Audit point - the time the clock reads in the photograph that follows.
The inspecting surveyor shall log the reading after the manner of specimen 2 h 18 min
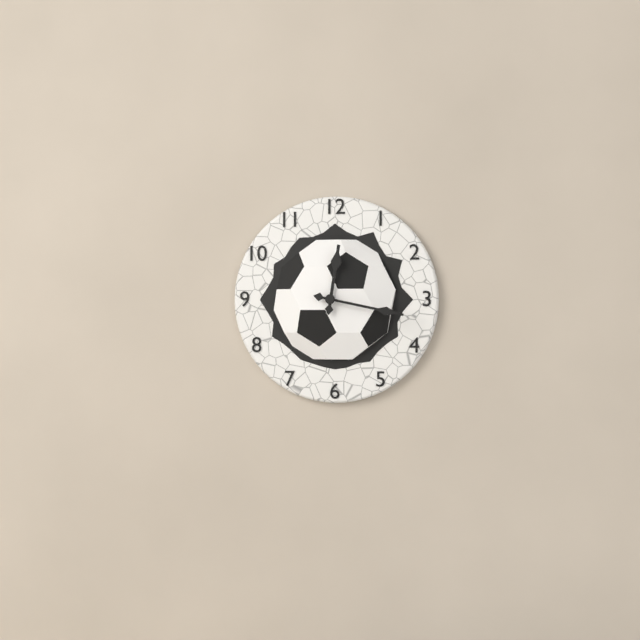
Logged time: 12 h 17 min
